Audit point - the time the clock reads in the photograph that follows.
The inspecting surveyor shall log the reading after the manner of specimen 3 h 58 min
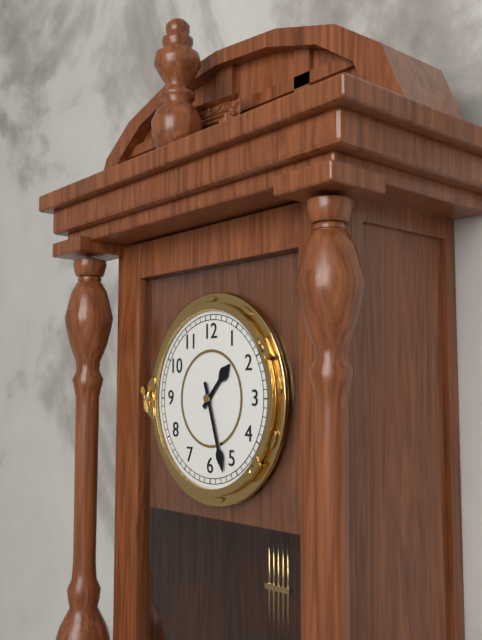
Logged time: 1 h 27 min
